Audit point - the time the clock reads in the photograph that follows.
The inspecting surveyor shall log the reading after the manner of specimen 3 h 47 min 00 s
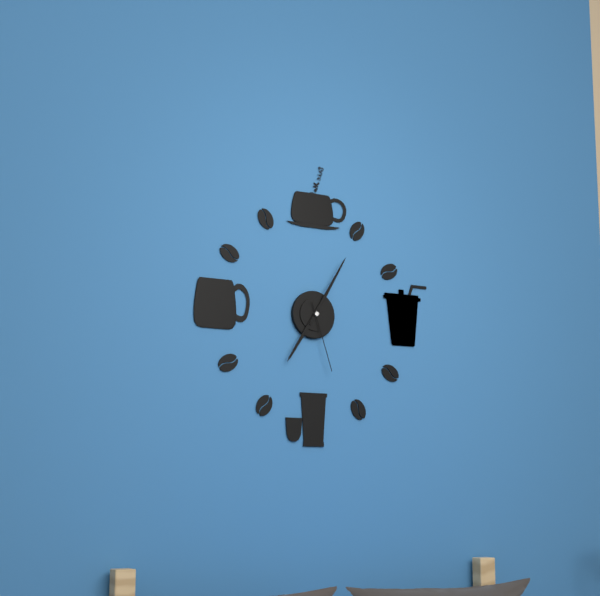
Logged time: 7 h 05 min 27 s
